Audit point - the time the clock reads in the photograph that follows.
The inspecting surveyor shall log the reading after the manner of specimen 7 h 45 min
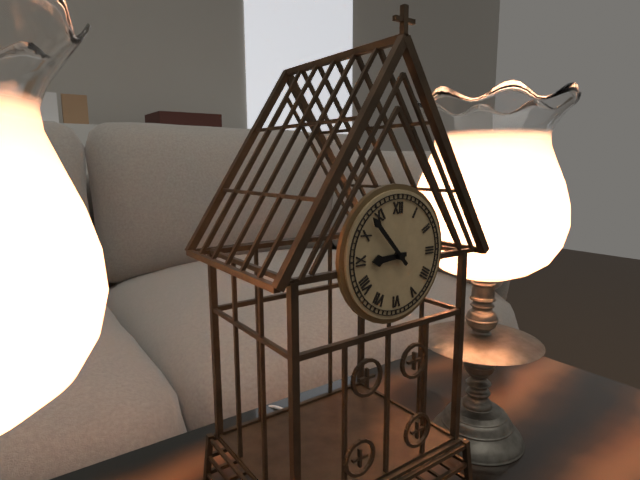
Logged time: 8 h 53 min
